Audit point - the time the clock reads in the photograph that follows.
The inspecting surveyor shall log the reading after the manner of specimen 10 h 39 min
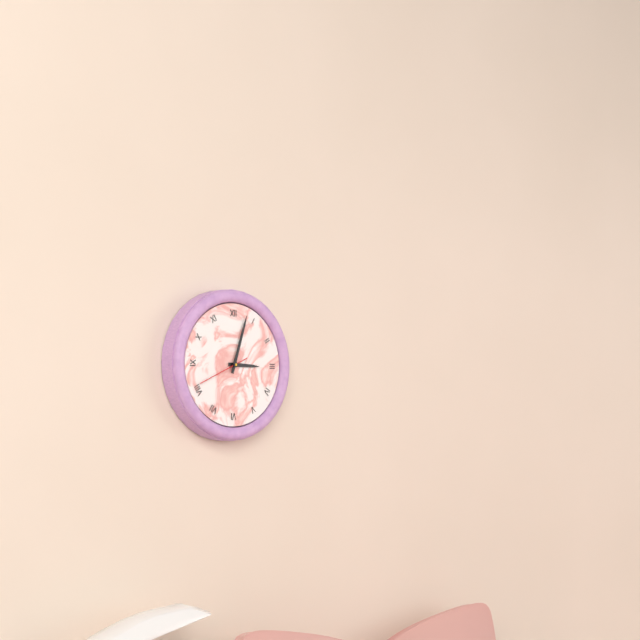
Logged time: 3 h 03 min
